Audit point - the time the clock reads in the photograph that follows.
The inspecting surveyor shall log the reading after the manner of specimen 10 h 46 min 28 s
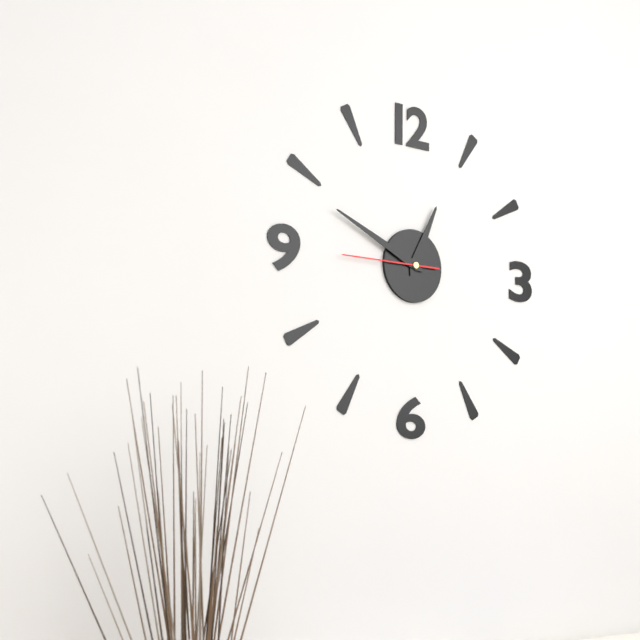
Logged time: 12 h 49 min 45 s
